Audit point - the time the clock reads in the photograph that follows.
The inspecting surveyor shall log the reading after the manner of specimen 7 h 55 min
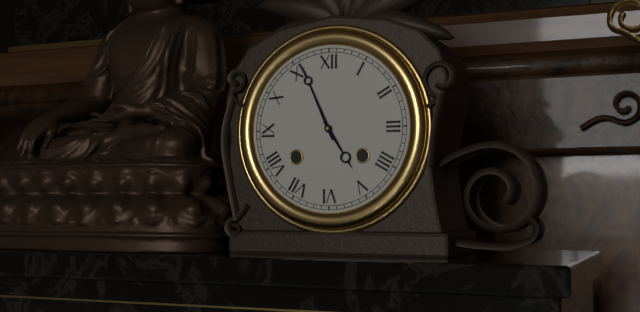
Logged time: 4 h 56 min
